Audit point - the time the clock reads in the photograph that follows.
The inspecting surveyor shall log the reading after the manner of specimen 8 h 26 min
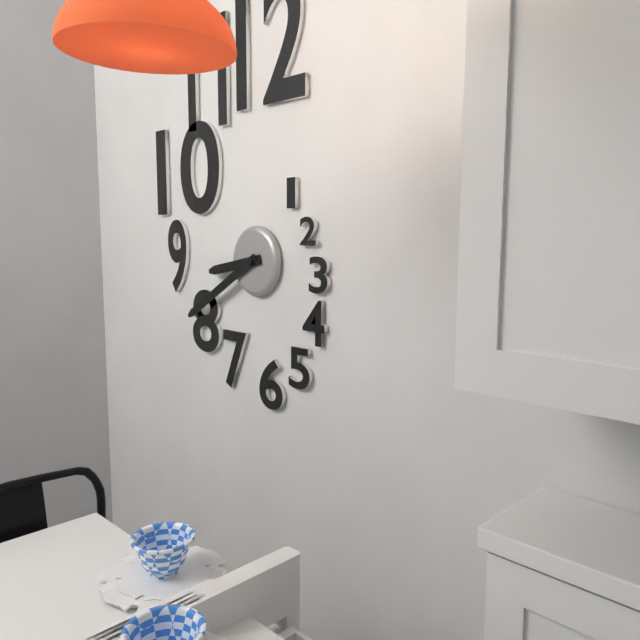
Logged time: 8 h 40 min
